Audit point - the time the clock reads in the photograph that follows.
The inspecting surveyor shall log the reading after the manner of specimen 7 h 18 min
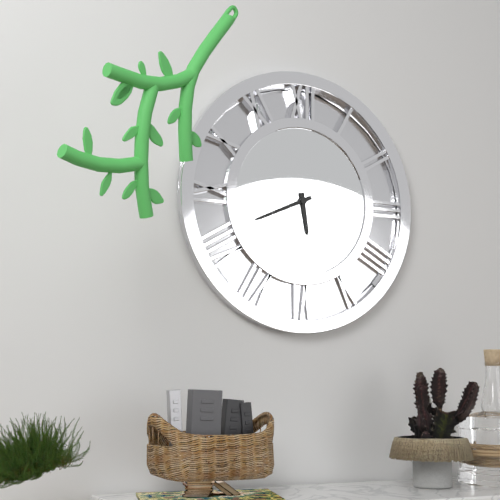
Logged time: 5 h 41 min
